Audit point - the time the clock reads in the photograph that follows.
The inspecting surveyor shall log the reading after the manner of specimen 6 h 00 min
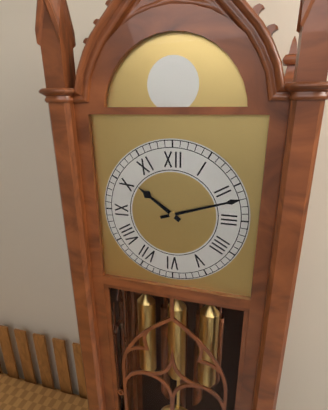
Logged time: 10 h 12 min
